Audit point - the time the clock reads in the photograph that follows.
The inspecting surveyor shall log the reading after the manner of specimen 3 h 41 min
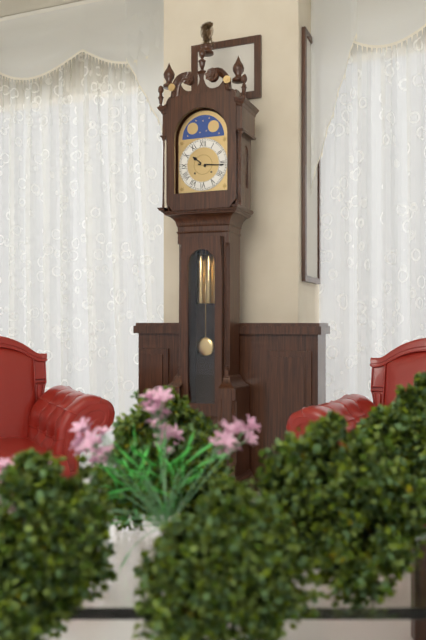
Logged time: 10 h 16 min
